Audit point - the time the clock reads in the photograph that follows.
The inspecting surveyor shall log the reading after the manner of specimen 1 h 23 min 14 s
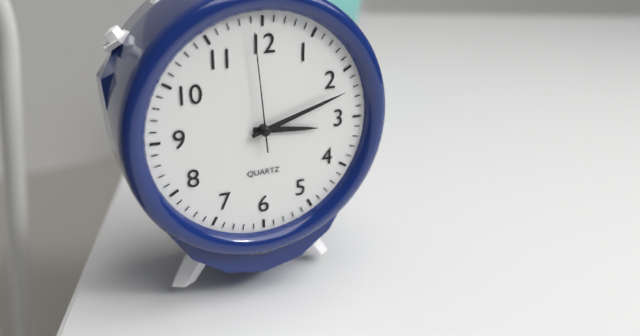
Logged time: 3 h 12 min 59 s
